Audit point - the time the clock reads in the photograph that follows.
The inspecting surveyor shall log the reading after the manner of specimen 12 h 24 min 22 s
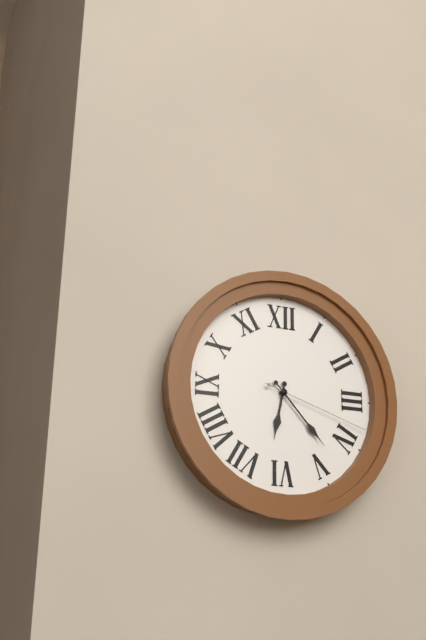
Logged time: 6 h 23 min 18 s
